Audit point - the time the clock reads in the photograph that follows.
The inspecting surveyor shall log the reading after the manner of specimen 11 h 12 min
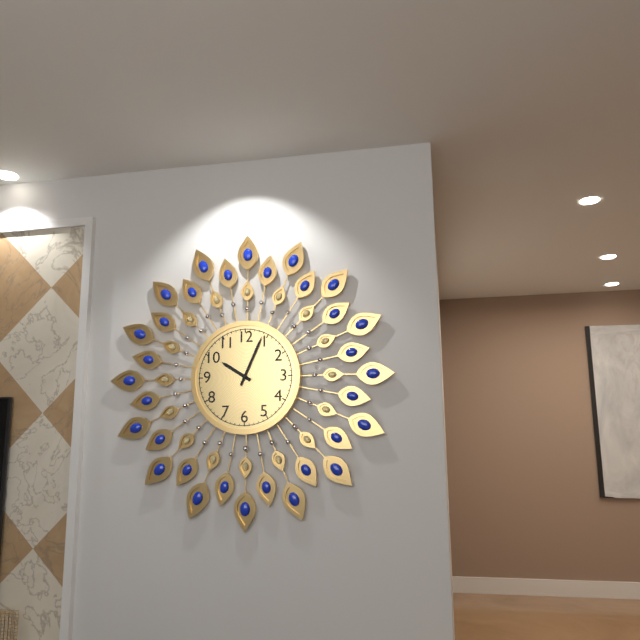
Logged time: 10 h 04 min
